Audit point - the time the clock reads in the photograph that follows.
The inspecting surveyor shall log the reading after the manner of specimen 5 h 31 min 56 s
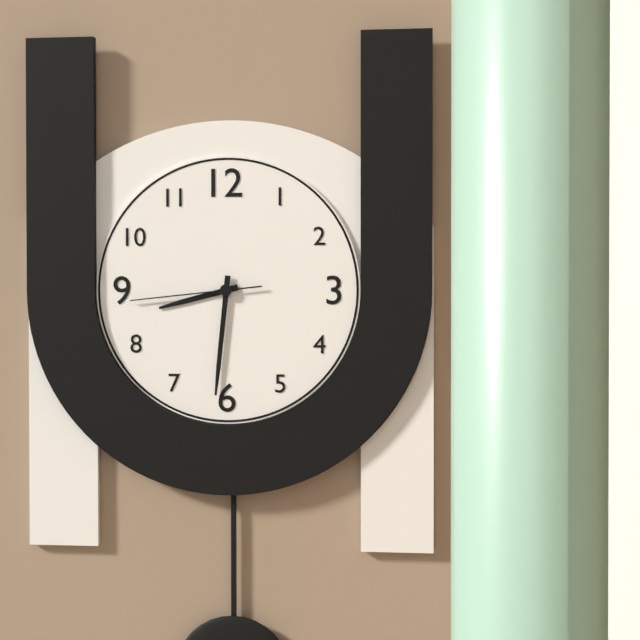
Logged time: 8 h 31 min 44 s
